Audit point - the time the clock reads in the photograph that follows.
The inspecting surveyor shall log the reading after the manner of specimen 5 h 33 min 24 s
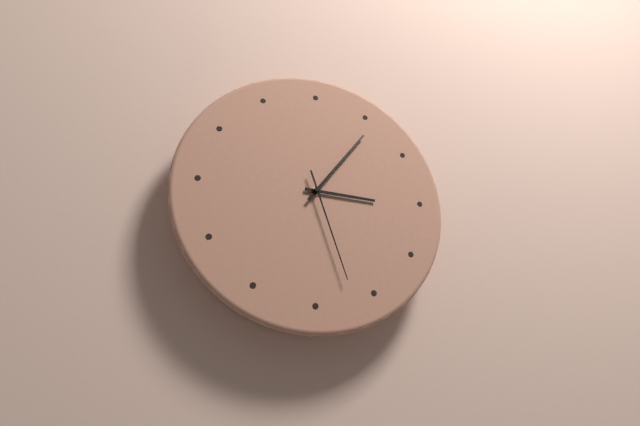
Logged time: 3 h 06 min 27 s
